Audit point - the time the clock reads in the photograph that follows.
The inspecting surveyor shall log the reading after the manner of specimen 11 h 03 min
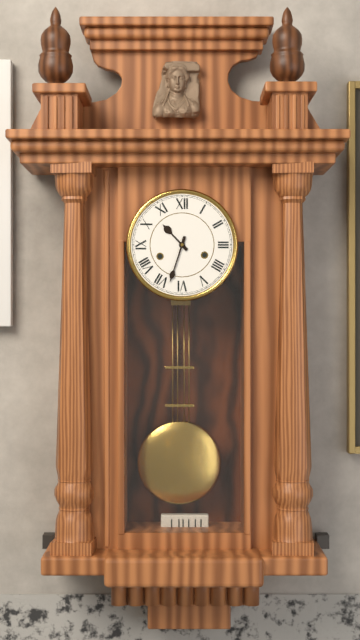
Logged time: 10 h 33 min
